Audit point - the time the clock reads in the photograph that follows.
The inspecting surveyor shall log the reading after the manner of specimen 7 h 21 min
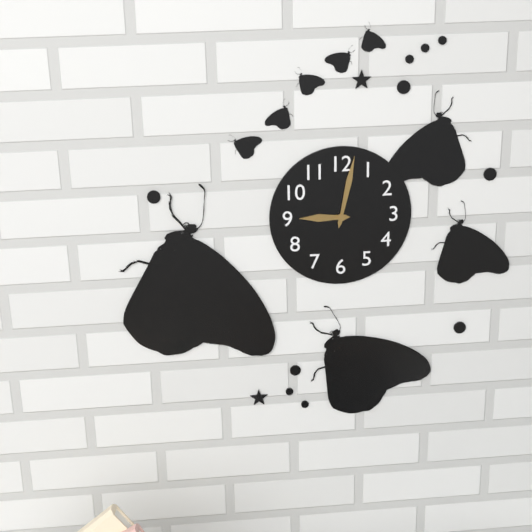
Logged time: 9 h 02 min
